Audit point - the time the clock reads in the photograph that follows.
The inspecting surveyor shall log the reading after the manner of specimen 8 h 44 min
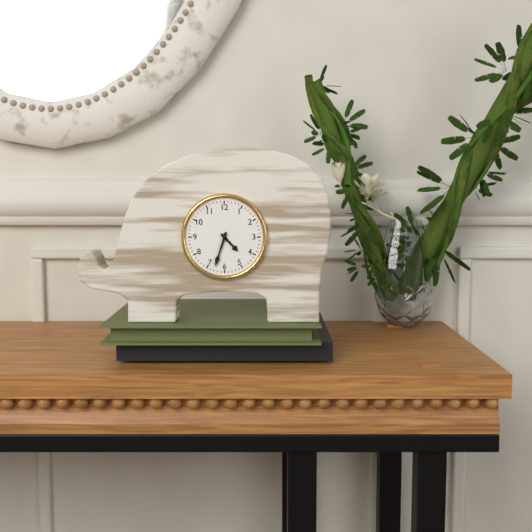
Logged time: 4 h 33 min
